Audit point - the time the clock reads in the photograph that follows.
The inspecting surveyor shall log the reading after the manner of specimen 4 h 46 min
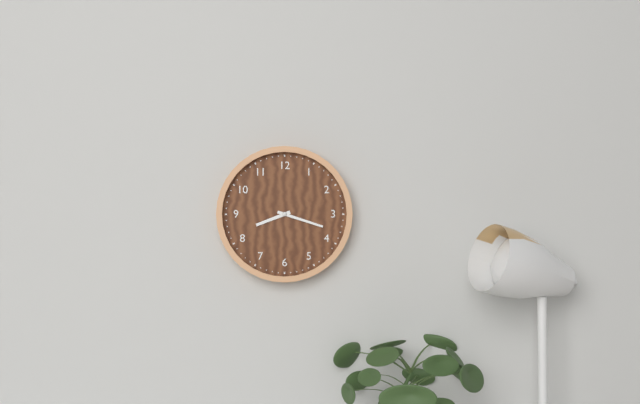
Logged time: 8 h 18 min
